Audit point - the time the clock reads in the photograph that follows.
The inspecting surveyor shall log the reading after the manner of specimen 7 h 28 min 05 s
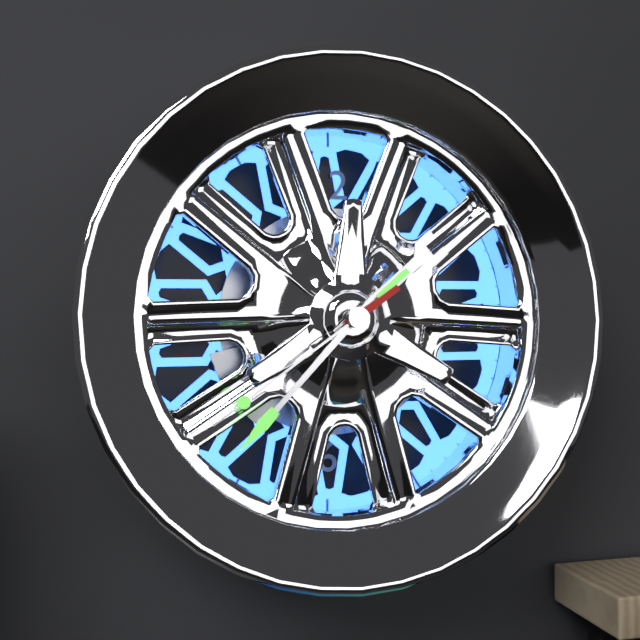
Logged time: 1 h 37 min 39 s
